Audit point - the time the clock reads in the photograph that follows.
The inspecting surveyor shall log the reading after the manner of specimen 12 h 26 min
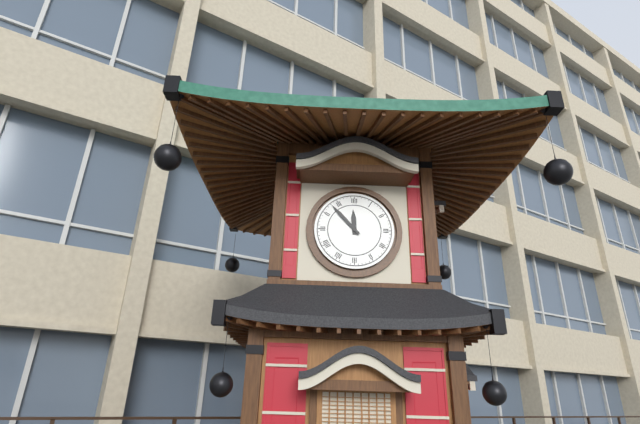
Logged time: 11 h 53 min
